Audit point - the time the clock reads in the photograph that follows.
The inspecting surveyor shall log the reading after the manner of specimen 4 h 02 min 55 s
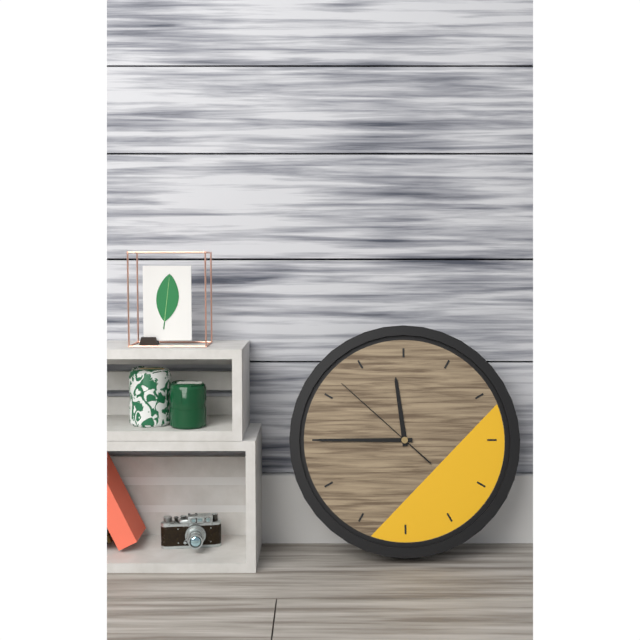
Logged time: 11 h 45 min 52 s
